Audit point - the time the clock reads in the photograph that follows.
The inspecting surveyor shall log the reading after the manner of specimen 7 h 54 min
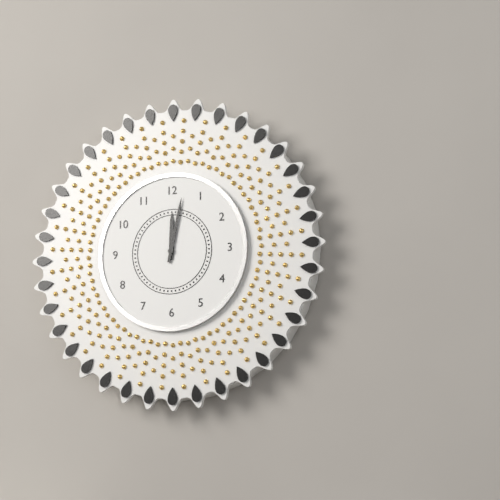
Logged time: 12 h 02 min
